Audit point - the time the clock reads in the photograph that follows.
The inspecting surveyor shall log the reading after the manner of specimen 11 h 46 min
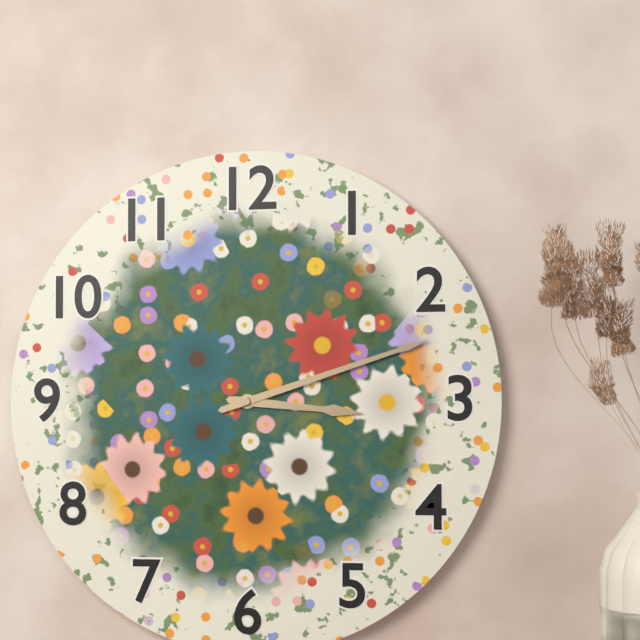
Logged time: 3 h 12 min
